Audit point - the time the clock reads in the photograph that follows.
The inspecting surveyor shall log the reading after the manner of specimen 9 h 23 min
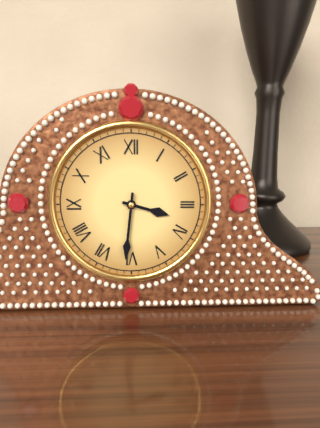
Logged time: 3 h 31 min
